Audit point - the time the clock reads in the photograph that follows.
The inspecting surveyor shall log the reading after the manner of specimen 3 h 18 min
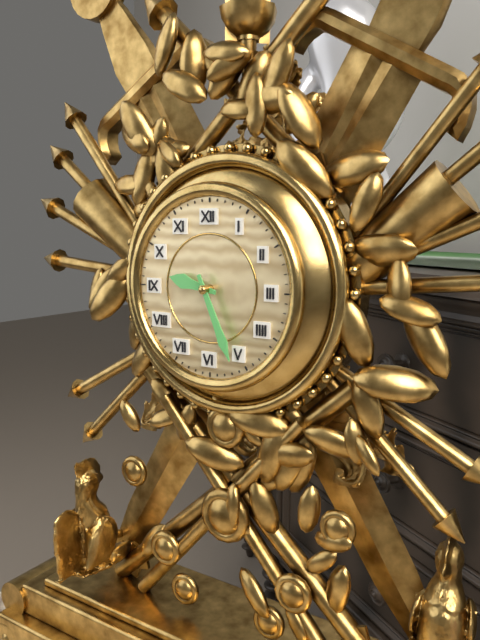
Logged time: 9 h 26 min
